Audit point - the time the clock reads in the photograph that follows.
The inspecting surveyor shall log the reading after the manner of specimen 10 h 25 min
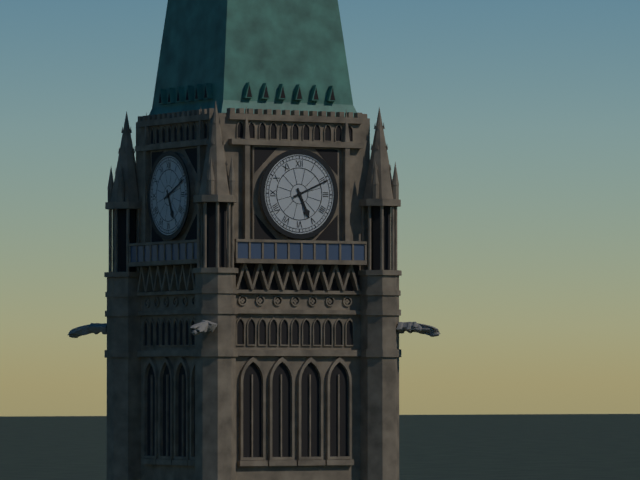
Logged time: 5 h 11 min
